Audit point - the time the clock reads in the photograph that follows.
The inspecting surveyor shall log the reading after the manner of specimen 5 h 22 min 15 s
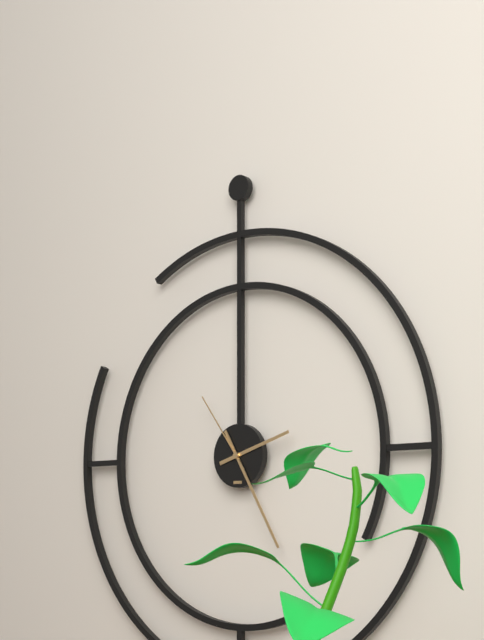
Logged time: 2 h 25 min 54 s
